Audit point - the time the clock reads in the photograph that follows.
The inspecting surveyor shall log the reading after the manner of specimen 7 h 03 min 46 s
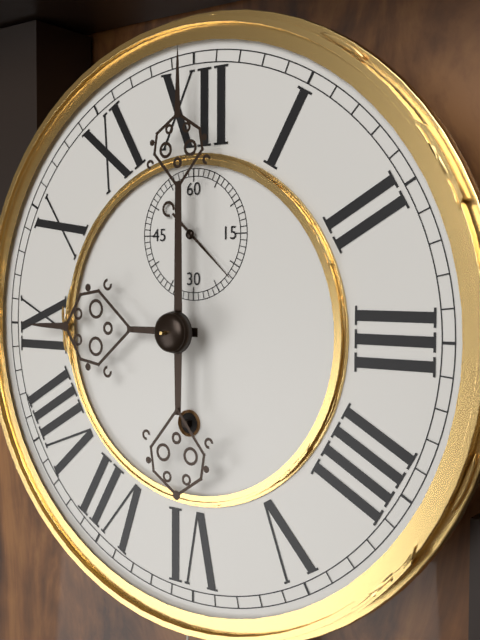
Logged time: 9 h 00 min 22 s
